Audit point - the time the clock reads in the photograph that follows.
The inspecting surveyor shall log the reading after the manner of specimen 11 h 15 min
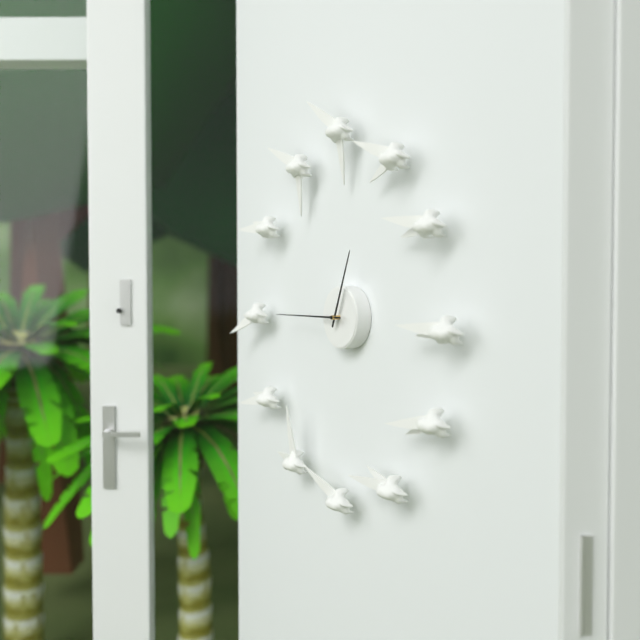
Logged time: 12 h 45 min
